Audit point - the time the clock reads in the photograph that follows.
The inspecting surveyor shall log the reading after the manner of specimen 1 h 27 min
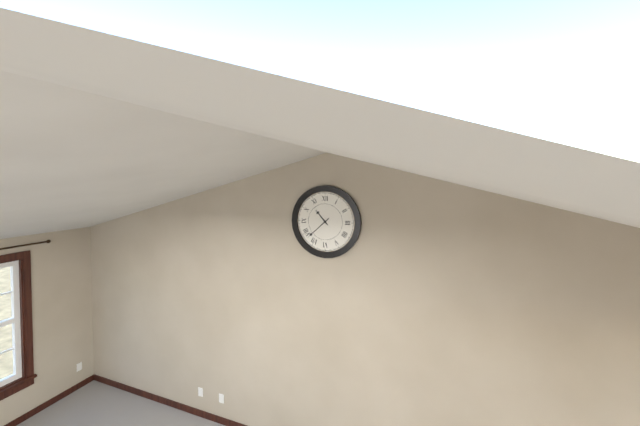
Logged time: 10 h 38 min
